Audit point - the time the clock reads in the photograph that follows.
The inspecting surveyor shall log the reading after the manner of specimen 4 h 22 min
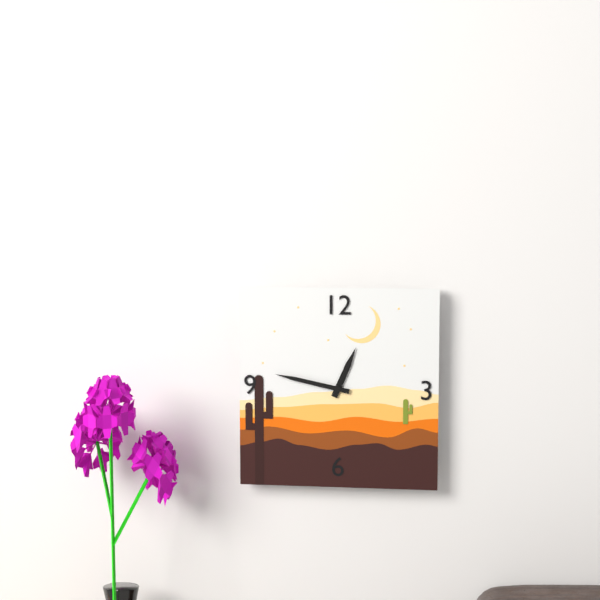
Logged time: 12 h 47 min
